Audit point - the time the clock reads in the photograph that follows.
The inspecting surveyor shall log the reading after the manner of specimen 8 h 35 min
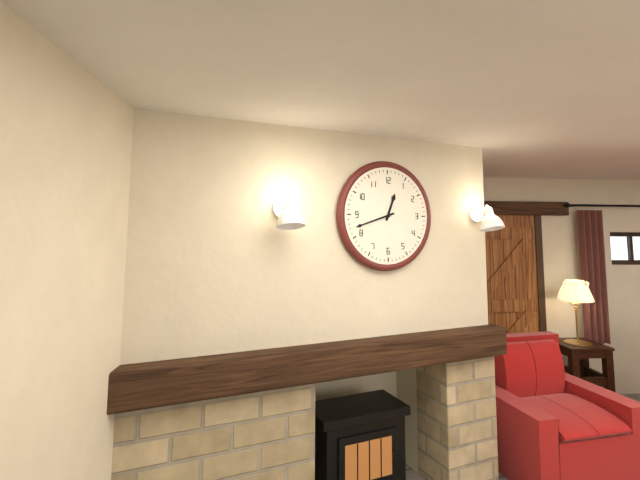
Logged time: 12 h 42 min
